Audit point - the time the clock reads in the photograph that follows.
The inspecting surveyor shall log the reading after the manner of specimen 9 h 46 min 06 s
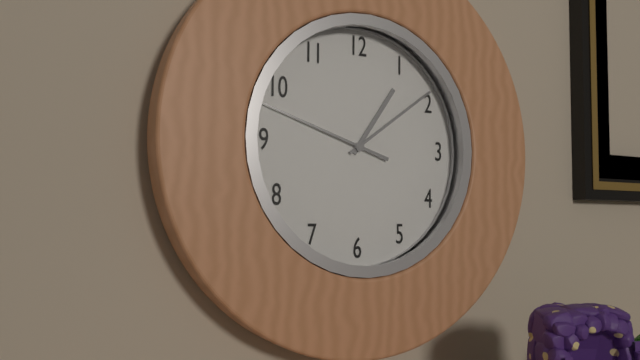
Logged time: 1 h 09 min 48 s
